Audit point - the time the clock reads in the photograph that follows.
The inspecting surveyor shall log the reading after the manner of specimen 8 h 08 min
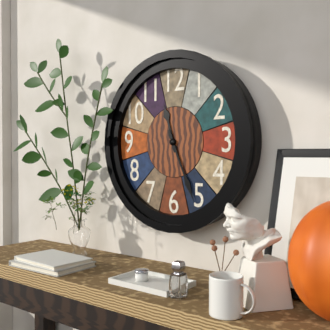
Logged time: 11 h 26 min
